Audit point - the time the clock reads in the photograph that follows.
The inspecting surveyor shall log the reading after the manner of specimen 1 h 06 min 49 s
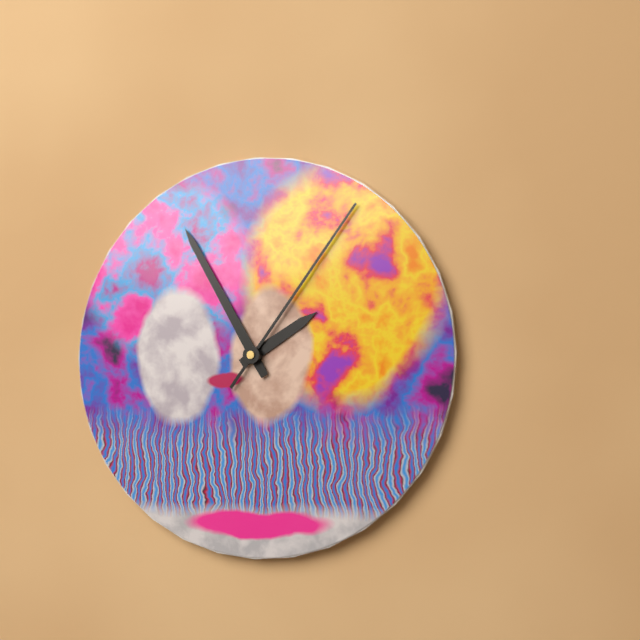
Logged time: 1 h 55 min 06 s
